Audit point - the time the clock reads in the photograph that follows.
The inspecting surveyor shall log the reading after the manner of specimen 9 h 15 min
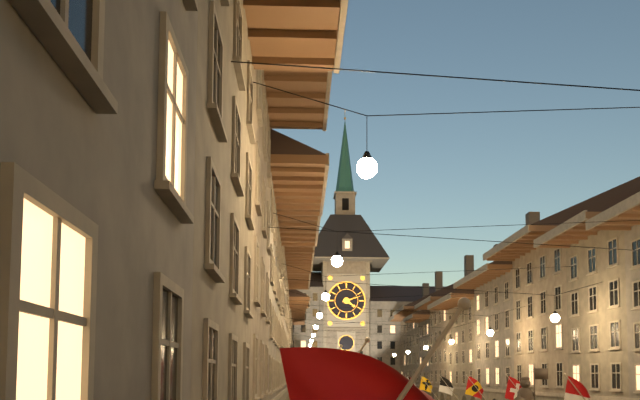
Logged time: 4 h 12 min
